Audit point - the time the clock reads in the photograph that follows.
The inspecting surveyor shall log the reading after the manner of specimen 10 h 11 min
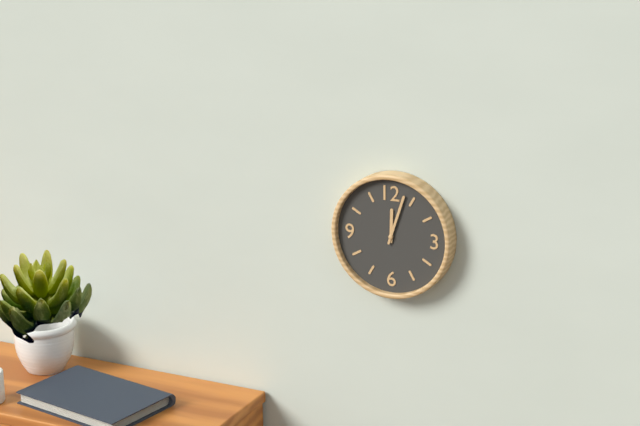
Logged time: 12 h 03 min
